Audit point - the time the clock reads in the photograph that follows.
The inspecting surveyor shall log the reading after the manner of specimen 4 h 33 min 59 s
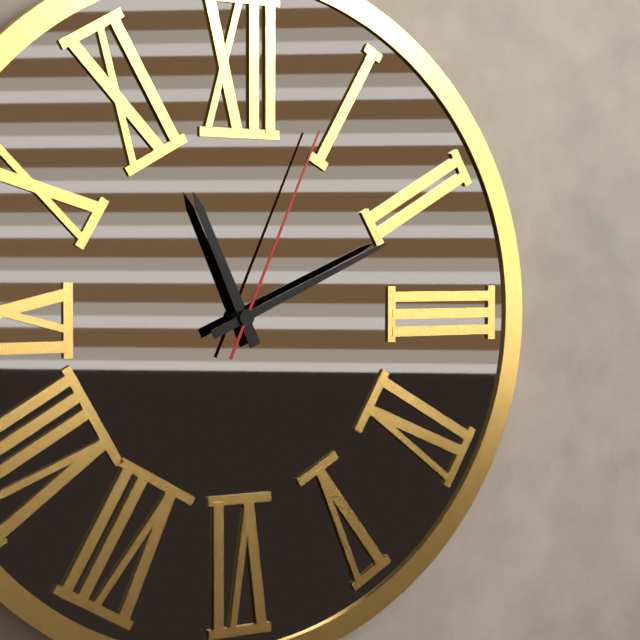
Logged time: 11 h 11 min 04 s
